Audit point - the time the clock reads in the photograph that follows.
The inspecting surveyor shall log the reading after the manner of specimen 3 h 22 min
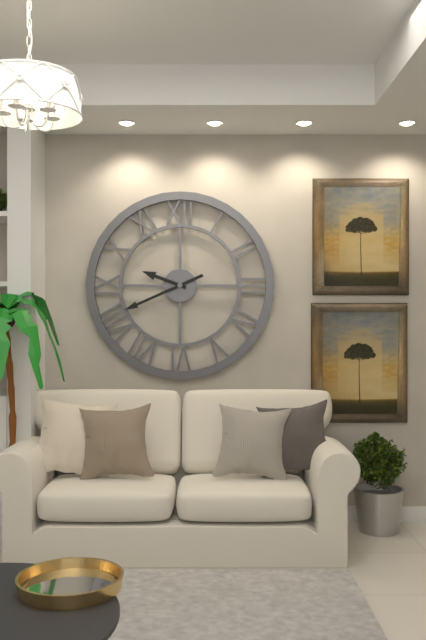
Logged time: 9 h 41 min
